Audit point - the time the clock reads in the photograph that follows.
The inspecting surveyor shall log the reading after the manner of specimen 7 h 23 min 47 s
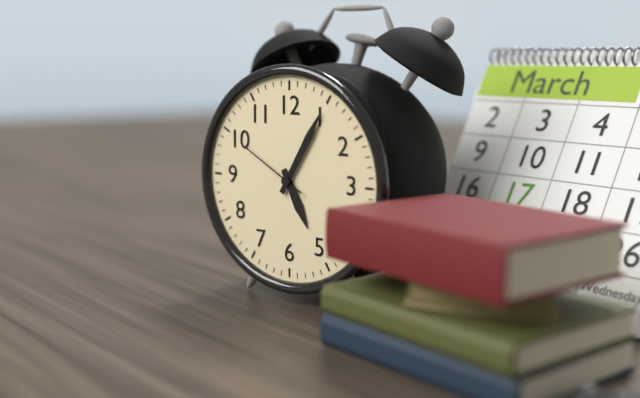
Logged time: 5 h 05 min 50 s
